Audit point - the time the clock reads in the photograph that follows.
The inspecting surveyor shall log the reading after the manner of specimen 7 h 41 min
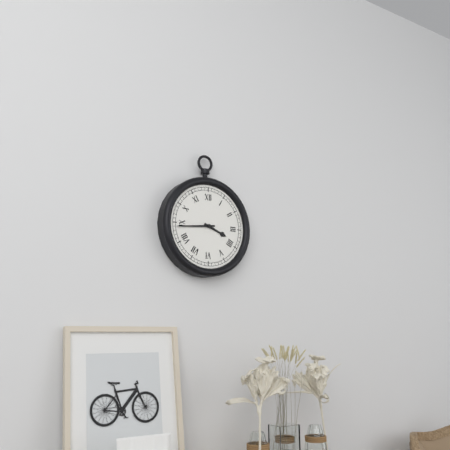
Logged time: 3 h 44 min
